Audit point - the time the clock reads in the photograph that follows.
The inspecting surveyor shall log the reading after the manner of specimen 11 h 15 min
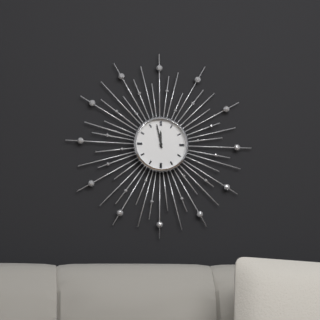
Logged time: 11 h 58 min
